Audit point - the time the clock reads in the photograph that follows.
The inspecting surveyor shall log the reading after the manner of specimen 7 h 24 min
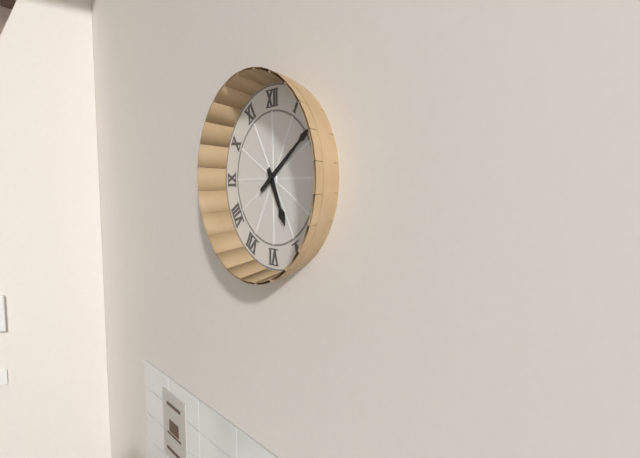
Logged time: 5 h 09 min
